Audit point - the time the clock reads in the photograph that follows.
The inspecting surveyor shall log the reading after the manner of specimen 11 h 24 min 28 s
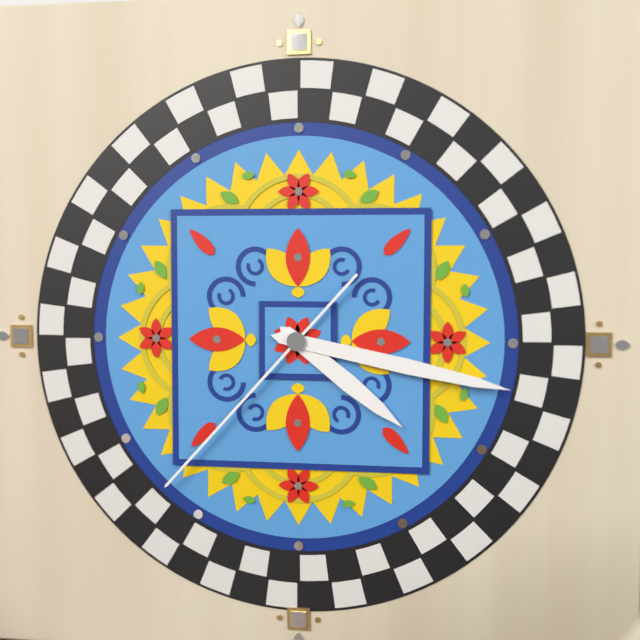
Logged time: 4 h 17 min 37 s
